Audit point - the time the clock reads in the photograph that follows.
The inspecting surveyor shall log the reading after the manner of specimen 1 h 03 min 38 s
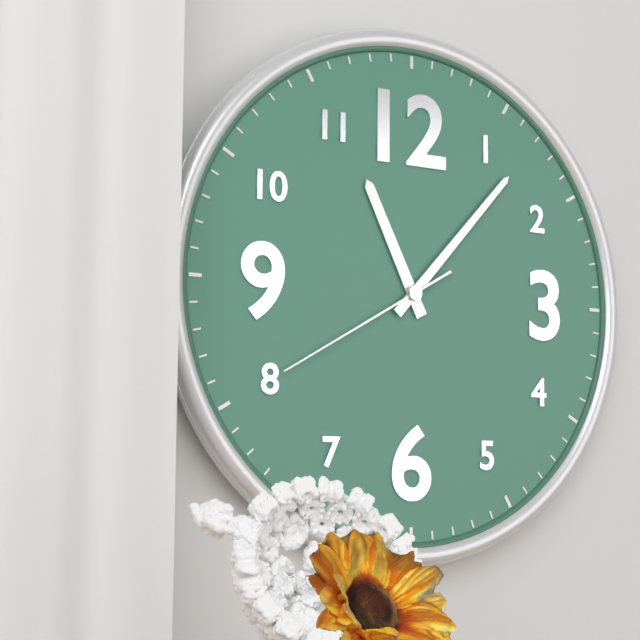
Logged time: 11 h 07 min 40 s
